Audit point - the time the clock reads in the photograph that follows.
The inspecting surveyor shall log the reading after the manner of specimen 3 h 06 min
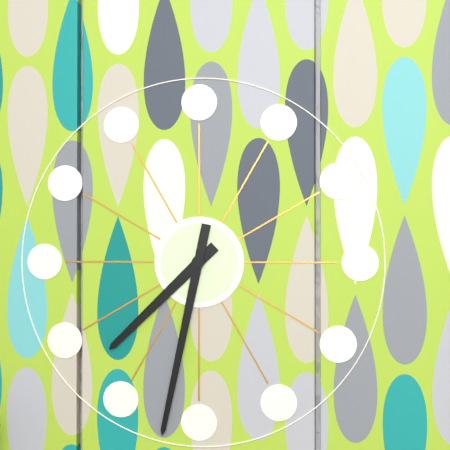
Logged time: 7 h 32 min
